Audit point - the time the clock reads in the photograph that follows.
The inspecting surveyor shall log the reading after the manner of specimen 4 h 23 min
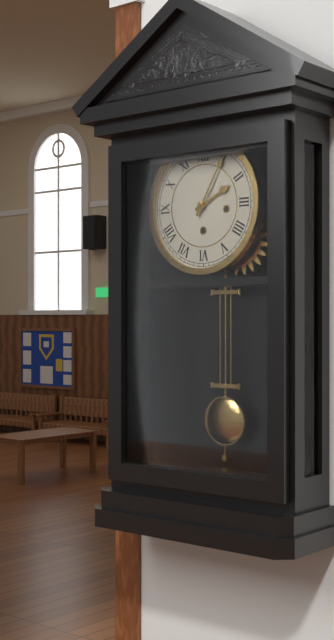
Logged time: 2 h 05 min
